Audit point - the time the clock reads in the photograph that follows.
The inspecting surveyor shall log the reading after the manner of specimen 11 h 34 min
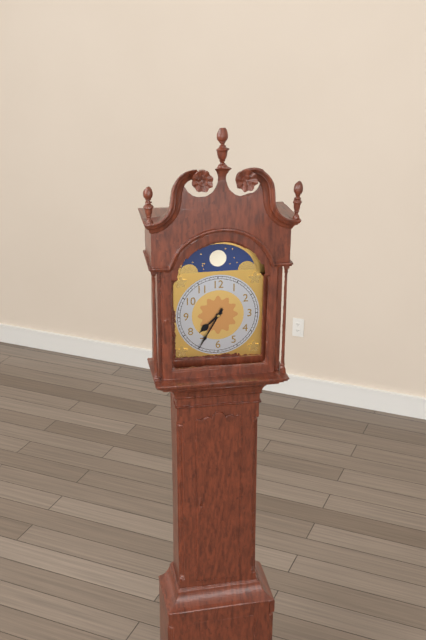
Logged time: 7 h 35 min
